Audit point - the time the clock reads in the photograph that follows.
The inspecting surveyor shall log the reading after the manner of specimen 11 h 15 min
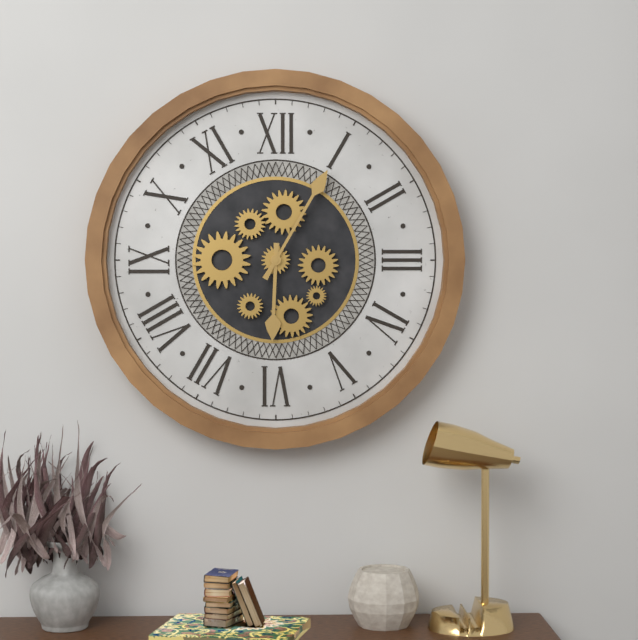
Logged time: 6 h 05 min
